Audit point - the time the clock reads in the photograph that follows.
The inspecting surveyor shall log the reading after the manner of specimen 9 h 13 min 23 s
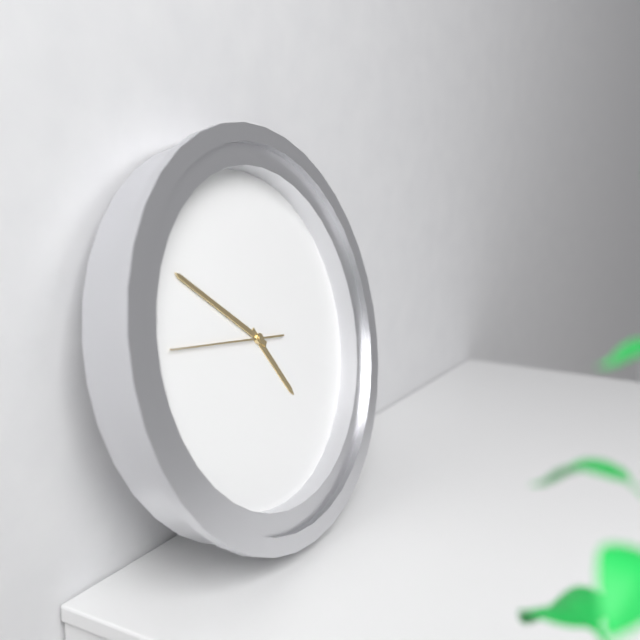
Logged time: 4 h 51 min 46 s
